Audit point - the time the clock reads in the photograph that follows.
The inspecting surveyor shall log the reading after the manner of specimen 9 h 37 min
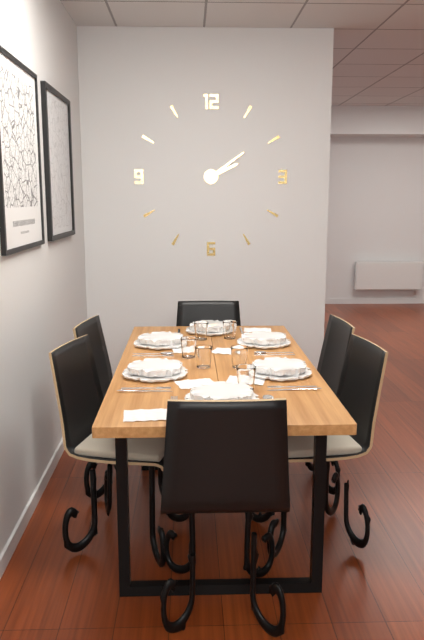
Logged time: 2 h 09 min
